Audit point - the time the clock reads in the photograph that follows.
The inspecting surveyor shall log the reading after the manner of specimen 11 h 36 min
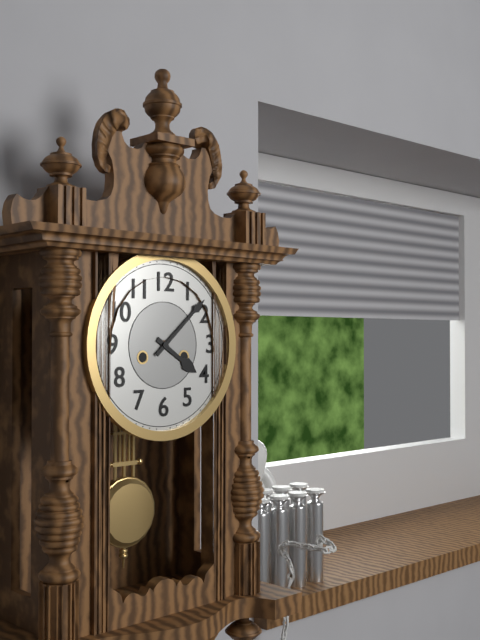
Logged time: 4 h 08 min
